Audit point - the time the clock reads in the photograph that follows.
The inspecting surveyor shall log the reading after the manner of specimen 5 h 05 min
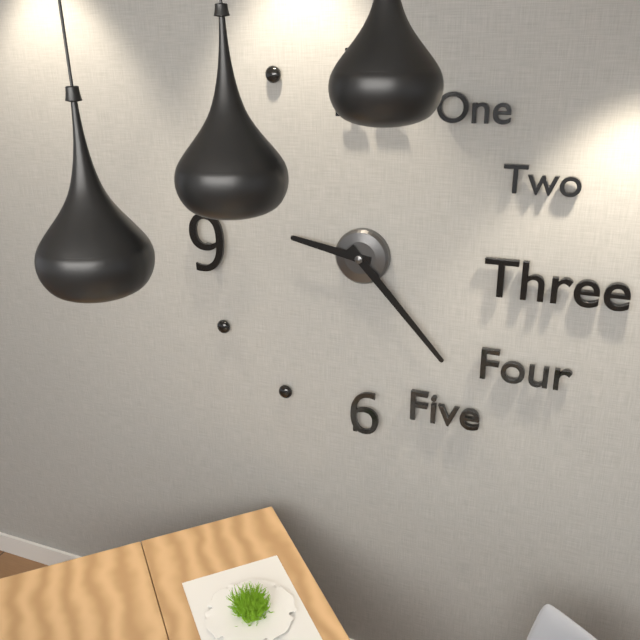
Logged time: 9 h 23 min
